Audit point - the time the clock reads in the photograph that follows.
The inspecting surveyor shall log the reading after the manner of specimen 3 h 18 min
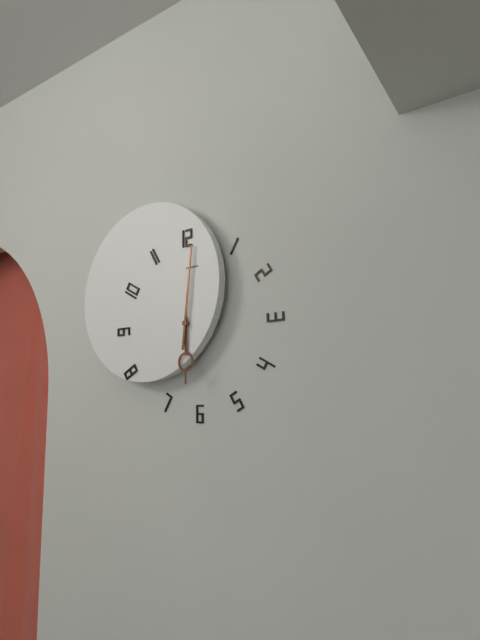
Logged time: 6 h 01 min
